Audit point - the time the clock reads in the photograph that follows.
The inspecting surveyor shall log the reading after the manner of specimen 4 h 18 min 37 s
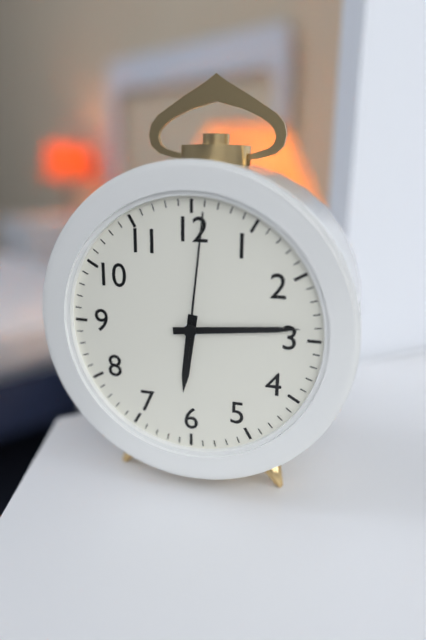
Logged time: 6 h 14 min 01 s
